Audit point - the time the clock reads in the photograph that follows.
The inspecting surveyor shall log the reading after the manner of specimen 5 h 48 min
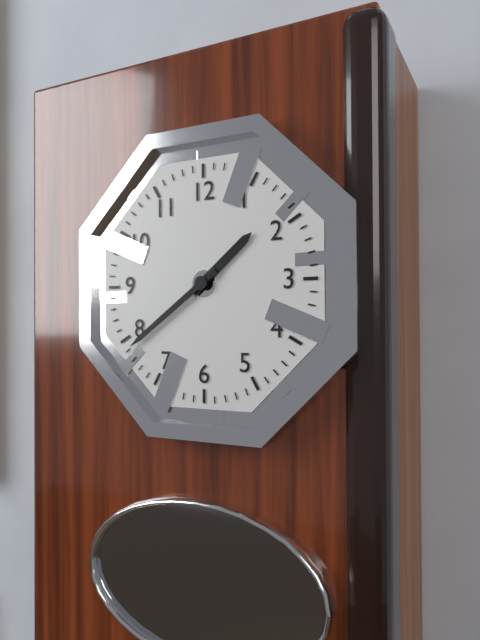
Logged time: 1 h 39 min
